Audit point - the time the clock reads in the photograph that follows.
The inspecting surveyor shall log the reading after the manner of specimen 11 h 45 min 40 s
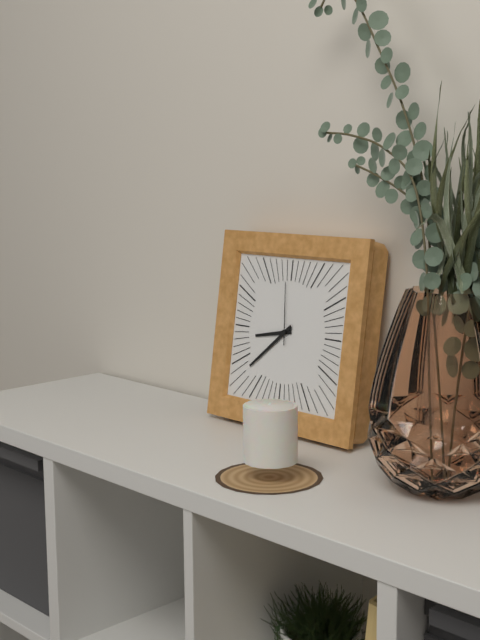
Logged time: 8 h 38 min 59 s
